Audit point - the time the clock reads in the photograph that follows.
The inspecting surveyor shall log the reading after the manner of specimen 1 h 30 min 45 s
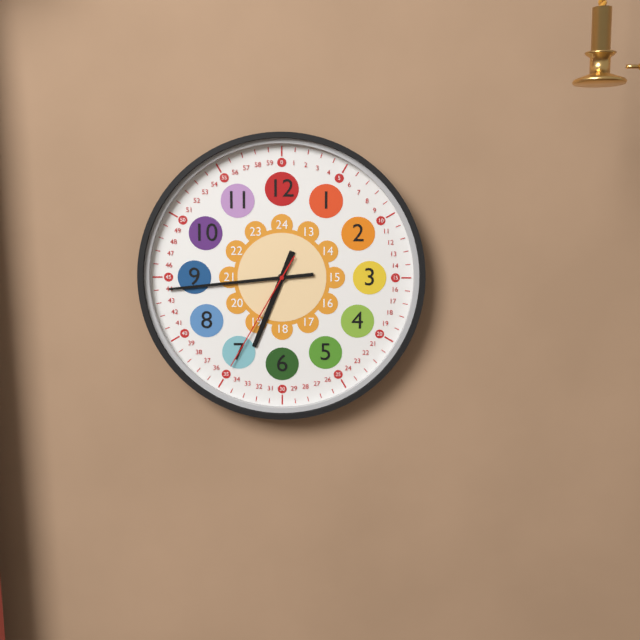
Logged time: 6 h 44 min 35 s
